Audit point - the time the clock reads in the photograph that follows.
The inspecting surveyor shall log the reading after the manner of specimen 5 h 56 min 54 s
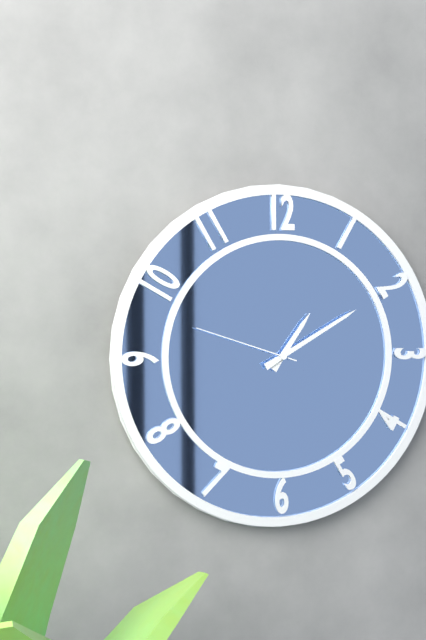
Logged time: 1 h 10 min 48 s
